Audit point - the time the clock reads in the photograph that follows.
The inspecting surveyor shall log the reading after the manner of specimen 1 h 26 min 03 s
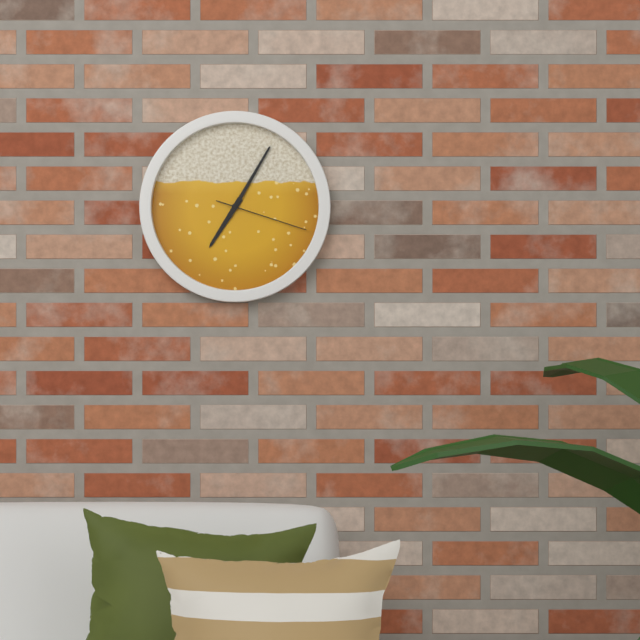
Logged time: 7 h 05 min 18 s
